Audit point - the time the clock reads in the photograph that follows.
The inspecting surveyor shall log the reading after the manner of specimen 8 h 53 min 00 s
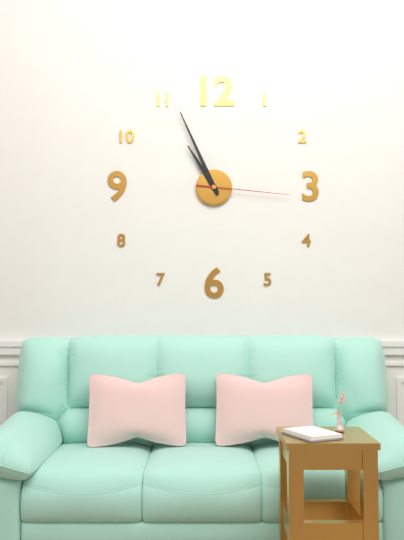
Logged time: 10 h 56 min 16 s
